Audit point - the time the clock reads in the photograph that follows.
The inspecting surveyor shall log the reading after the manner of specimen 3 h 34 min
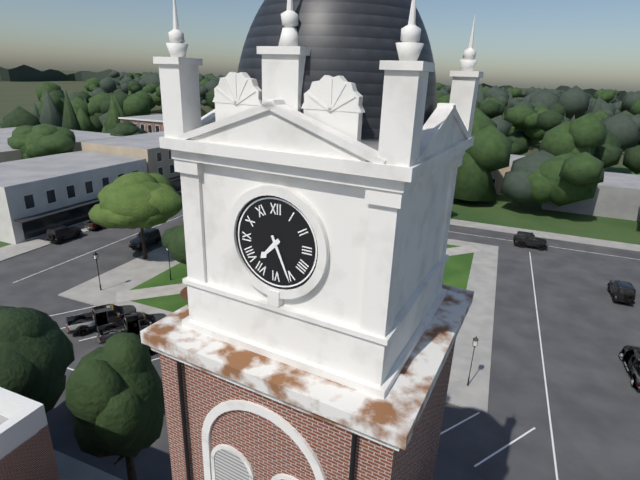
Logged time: 7 h 26 min
